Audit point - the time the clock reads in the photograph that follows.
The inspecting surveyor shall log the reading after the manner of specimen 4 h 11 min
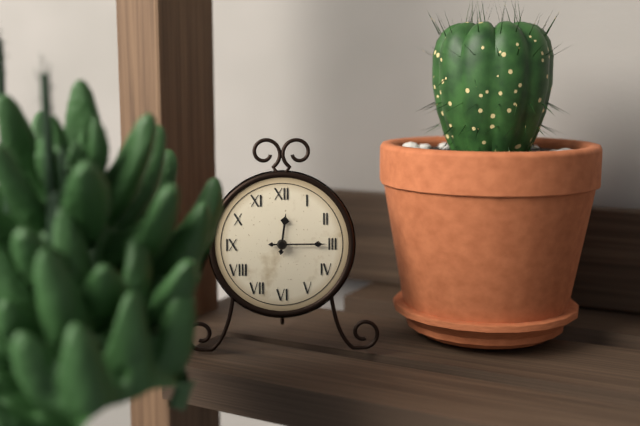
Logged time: 12 h 15 min
